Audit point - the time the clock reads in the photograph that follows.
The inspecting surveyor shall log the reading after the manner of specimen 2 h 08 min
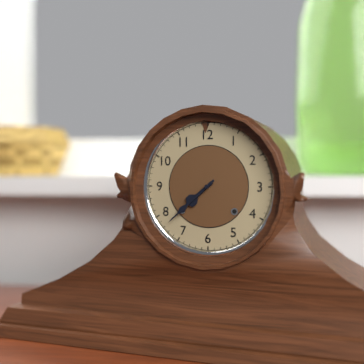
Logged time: 7 h 38 min
